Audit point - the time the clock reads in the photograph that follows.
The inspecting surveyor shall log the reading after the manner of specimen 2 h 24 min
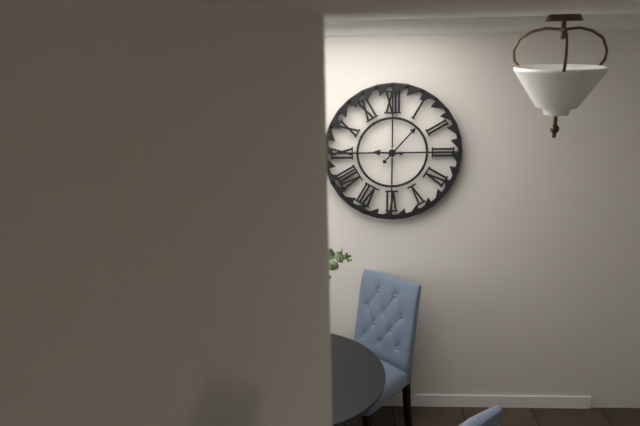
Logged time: 9 h 07 min
